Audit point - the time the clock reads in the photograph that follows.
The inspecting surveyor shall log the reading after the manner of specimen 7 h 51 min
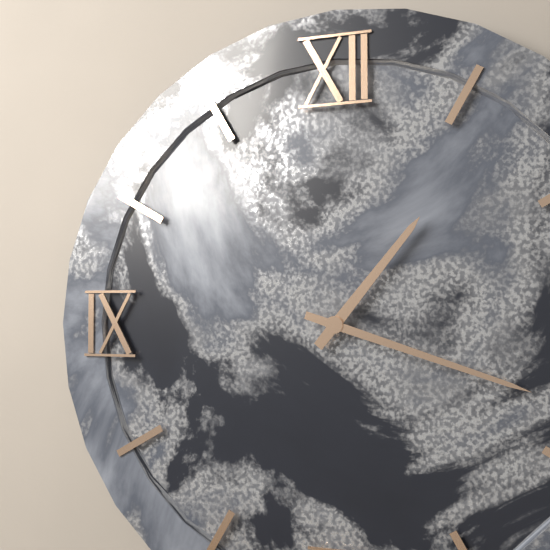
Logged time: 1 h 18 min
